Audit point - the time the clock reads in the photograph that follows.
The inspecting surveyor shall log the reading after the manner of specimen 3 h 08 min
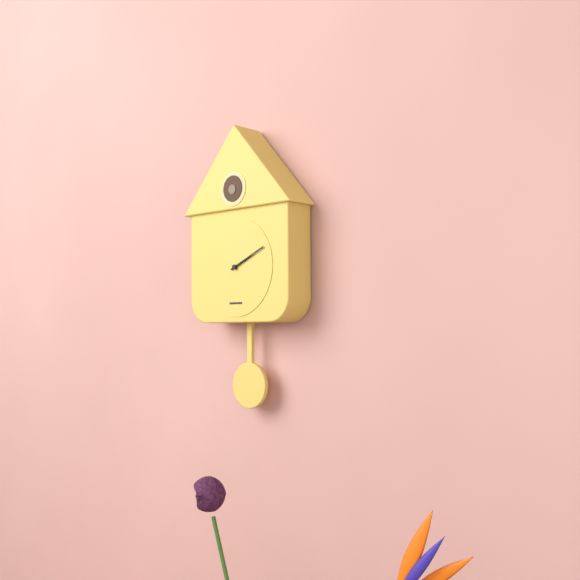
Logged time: 2 h 11 min
